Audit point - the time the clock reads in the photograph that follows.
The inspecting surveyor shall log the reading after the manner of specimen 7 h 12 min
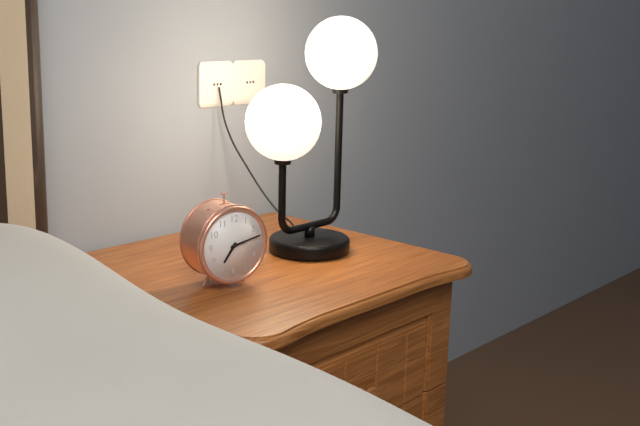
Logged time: 7 h 13 min
